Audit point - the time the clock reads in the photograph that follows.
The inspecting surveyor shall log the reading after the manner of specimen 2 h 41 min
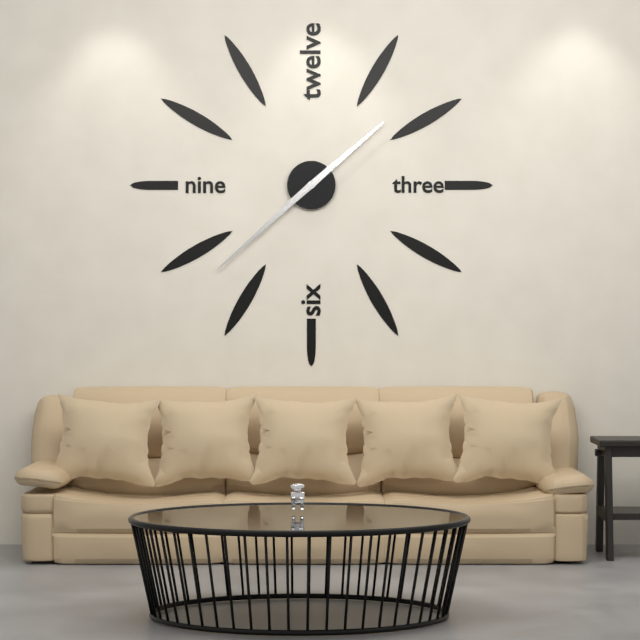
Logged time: 1 h 38 min
